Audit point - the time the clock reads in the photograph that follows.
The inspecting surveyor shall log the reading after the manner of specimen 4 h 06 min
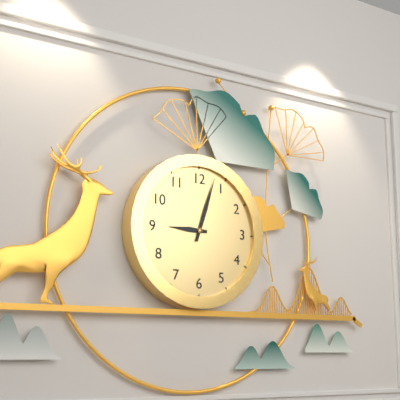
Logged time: 9 h 03 min
